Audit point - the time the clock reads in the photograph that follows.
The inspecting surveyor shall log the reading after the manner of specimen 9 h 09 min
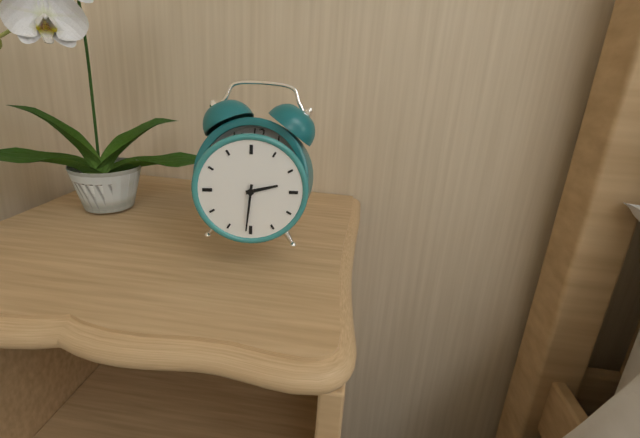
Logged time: 2 h 31 min
